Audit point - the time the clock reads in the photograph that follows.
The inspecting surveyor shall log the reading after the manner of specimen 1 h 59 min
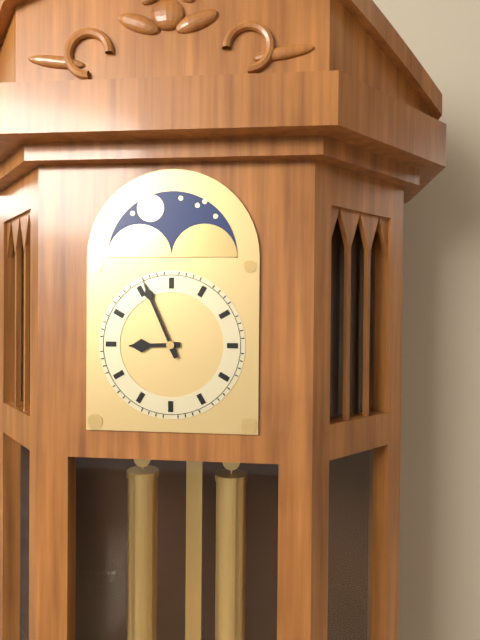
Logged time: 8 h 56 min
